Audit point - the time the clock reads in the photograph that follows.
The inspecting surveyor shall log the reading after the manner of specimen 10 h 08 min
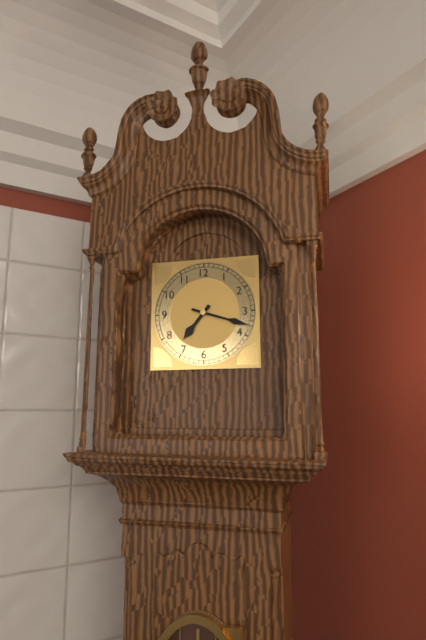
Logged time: 7 h 18 min
